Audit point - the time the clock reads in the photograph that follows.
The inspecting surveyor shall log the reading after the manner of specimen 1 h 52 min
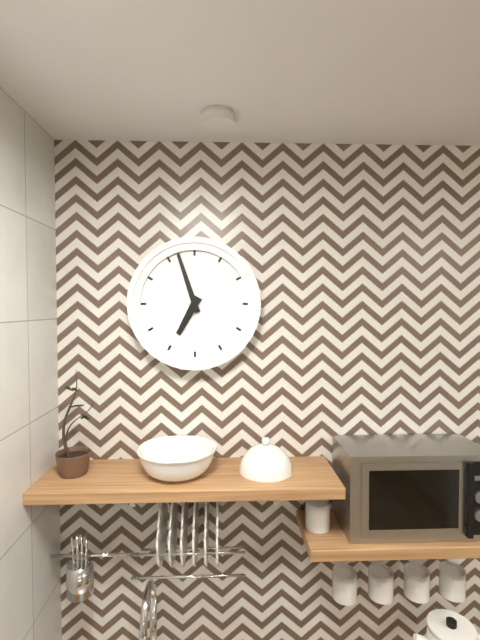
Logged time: 6 h 57 min
